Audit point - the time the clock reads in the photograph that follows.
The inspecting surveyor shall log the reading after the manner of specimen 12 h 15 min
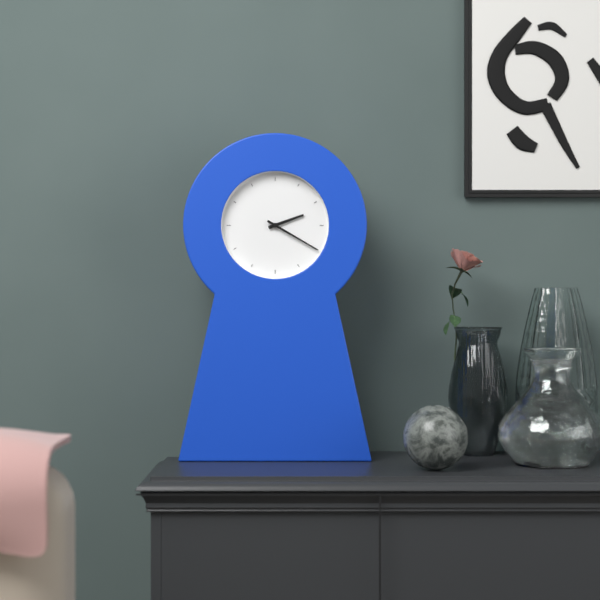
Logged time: 2 h 20 min
